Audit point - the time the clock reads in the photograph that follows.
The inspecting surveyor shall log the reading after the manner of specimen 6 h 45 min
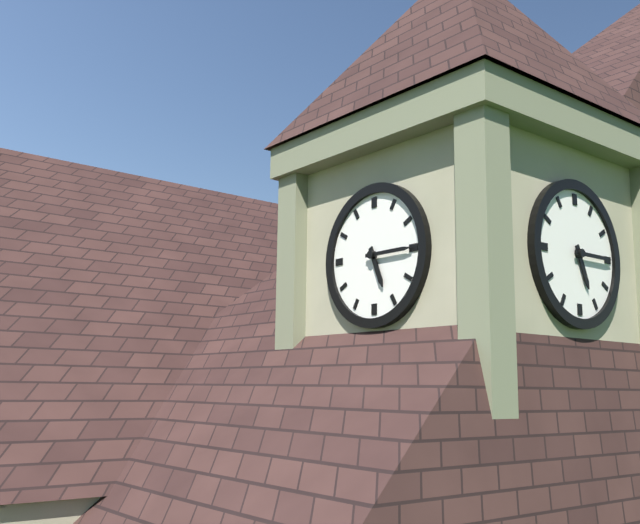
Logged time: 5 h 15 min
